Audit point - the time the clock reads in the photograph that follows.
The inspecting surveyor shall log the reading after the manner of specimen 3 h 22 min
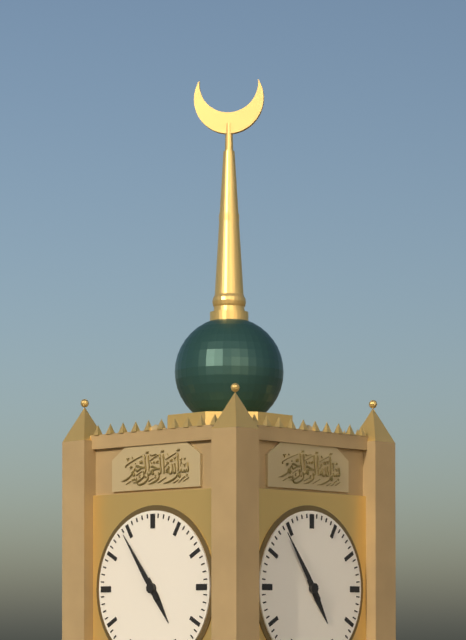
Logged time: 4 h 54 min
